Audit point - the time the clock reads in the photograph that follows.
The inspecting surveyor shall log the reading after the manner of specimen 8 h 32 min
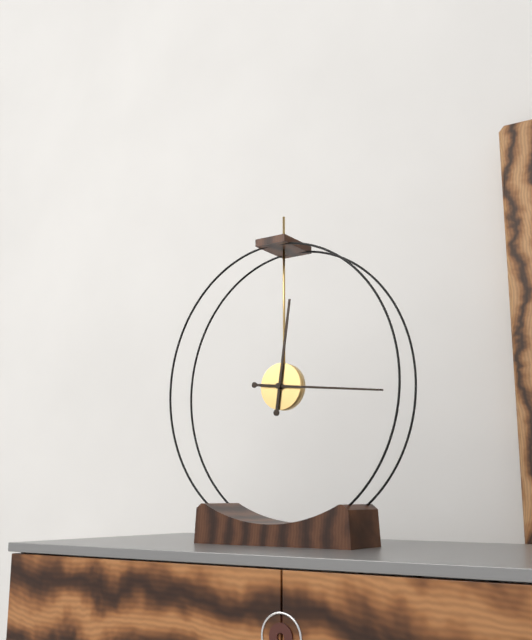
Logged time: 12 h 16 min
